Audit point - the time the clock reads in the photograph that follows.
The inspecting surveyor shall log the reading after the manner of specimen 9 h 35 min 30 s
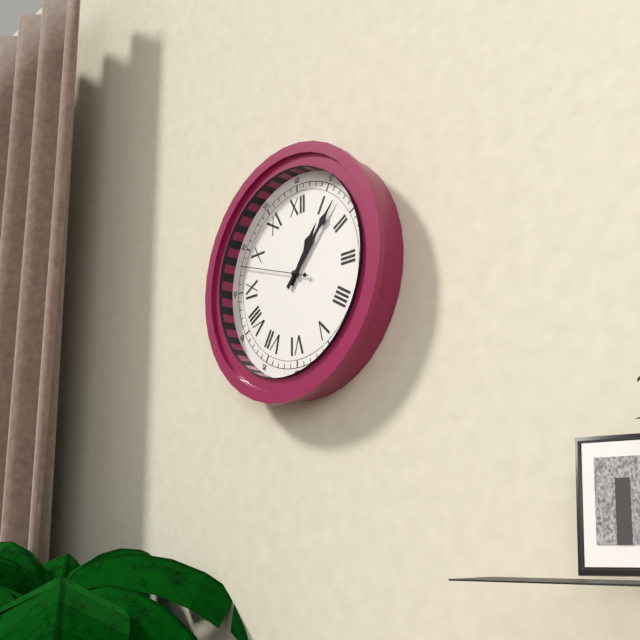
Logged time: 1 h 07 min 48 s
